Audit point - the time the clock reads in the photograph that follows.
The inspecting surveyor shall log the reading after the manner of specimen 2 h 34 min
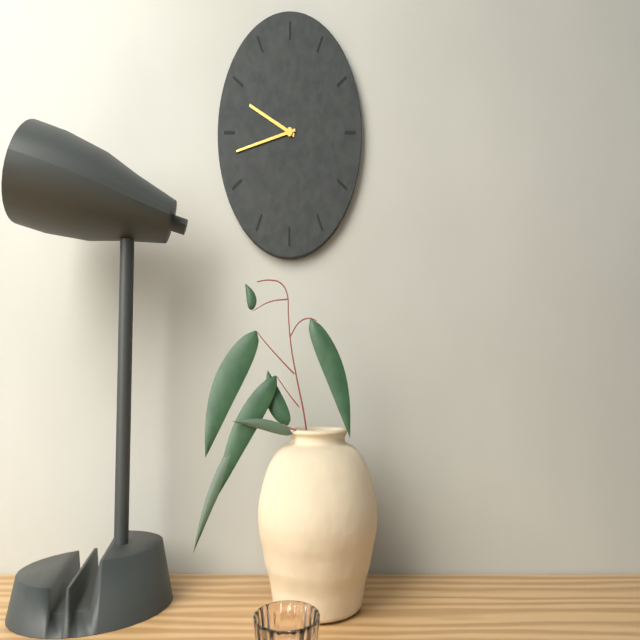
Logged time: 9 h 43 min
